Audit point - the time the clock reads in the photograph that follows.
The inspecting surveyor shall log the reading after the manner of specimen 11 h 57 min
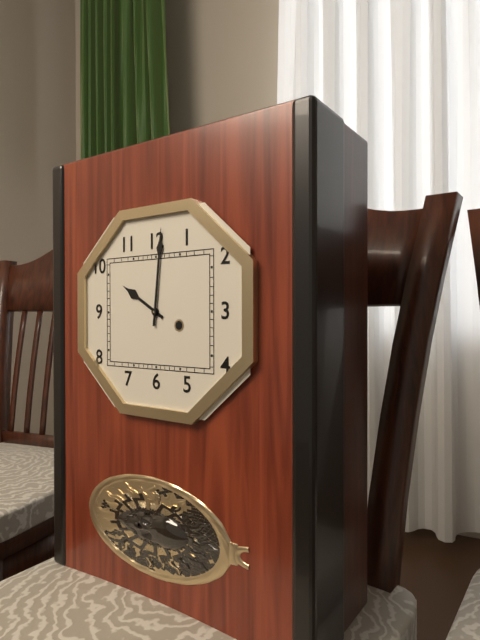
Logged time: 10 h 01 min
